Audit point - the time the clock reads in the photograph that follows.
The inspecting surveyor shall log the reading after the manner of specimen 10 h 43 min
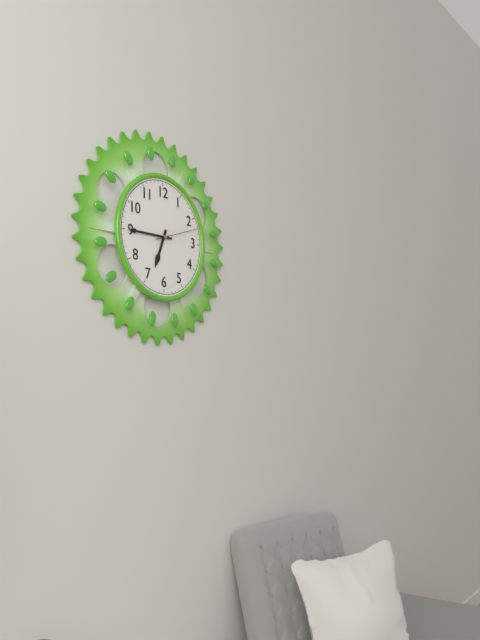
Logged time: 6 h 45 min
